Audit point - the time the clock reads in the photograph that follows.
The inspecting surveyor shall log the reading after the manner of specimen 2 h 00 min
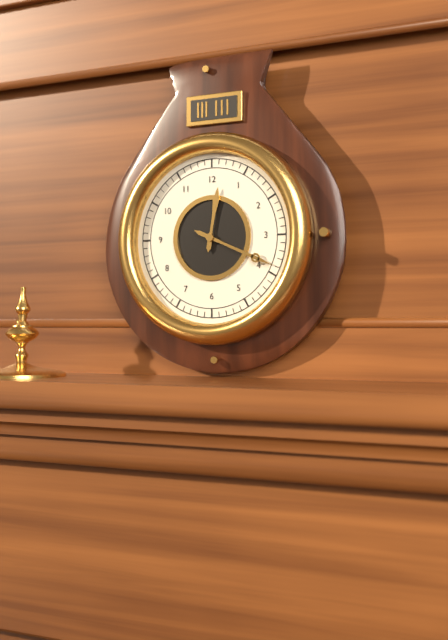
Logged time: 12 h 19 min
